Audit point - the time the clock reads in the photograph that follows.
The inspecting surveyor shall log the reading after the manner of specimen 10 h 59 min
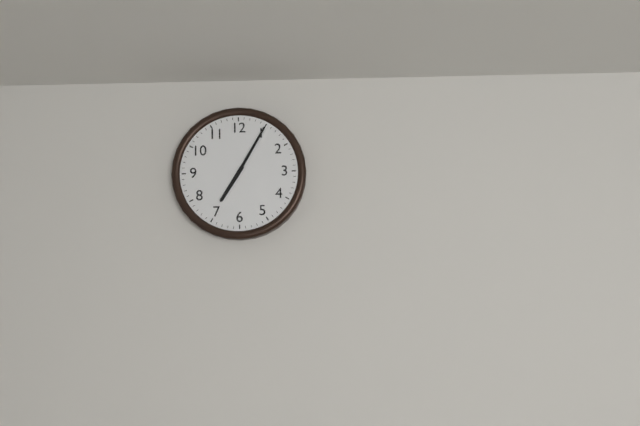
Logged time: 7 h 05 min
